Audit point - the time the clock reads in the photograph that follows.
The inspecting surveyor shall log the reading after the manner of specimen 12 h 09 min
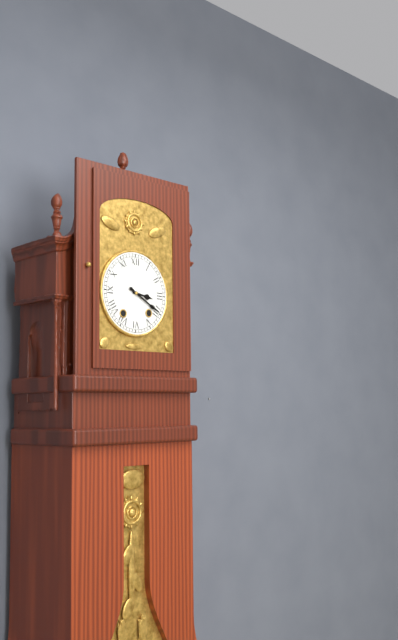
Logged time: 3 h 20 min
